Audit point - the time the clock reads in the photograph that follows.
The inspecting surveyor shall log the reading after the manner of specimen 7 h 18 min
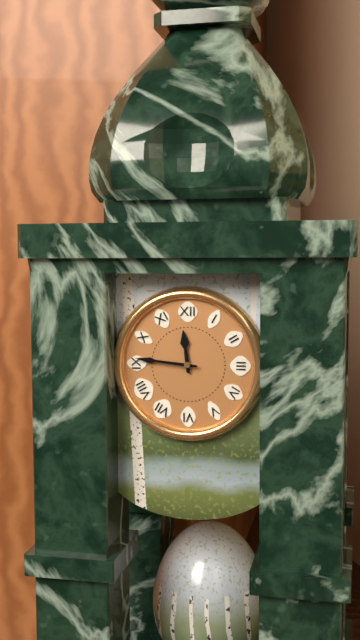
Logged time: 11 h 46 min
